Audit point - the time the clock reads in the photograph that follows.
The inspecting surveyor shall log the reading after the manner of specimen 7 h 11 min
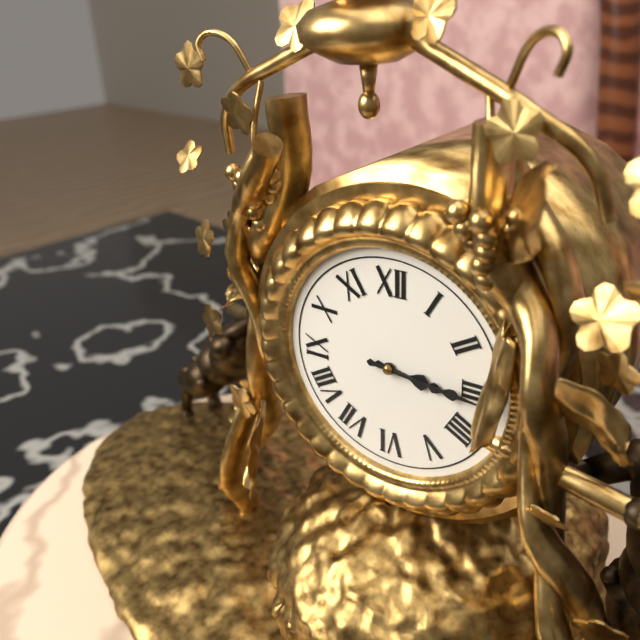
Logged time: 3 h 16 min
